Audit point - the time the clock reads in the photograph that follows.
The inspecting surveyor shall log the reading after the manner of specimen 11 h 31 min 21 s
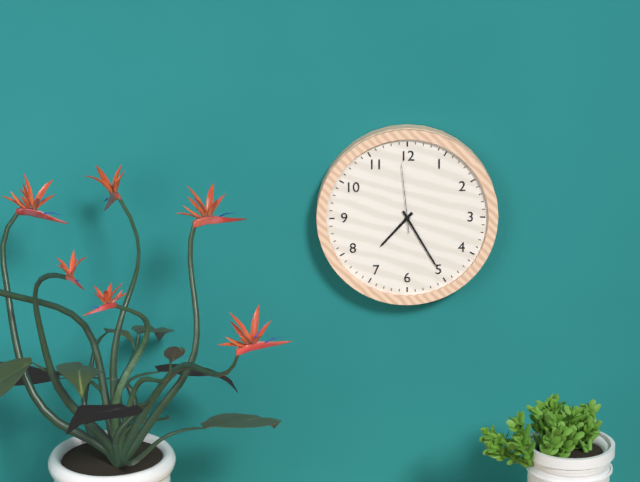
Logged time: 7 h 25 min 59 s
